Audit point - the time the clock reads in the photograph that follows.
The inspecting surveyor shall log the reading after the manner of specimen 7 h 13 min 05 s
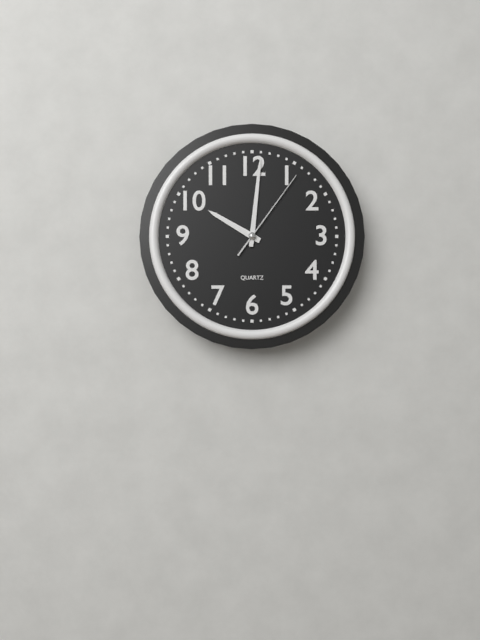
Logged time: 10 h 01 min 06 s
